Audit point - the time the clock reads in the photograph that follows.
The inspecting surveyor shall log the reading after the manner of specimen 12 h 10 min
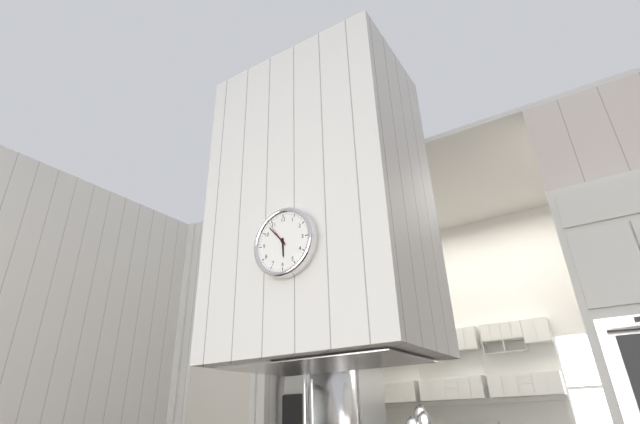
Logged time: 5 h 53 min
